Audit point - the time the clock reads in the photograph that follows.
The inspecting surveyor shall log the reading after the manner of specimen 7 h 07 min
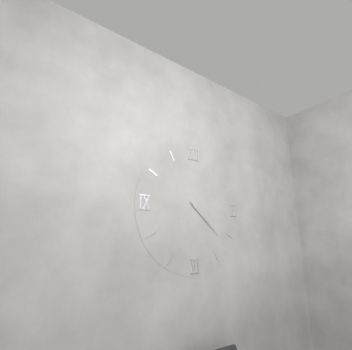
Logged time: 4 h 22 min
